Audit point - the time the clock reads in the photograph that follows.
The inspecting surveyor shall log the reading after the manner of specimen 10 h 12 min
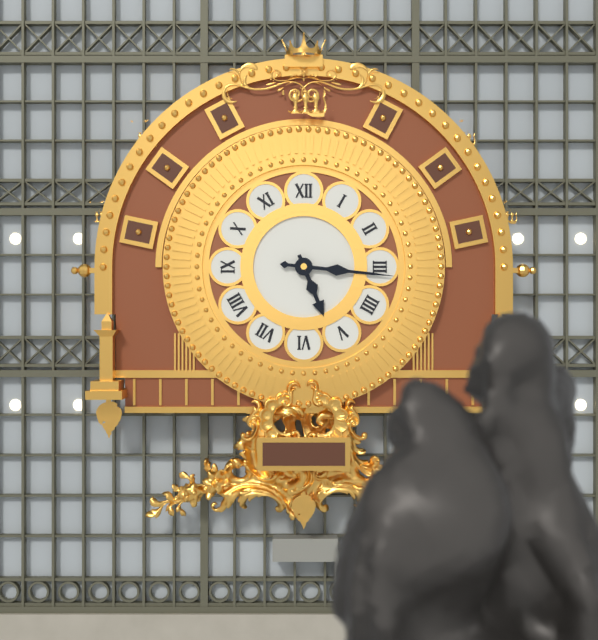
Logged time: 5 h 16 min
